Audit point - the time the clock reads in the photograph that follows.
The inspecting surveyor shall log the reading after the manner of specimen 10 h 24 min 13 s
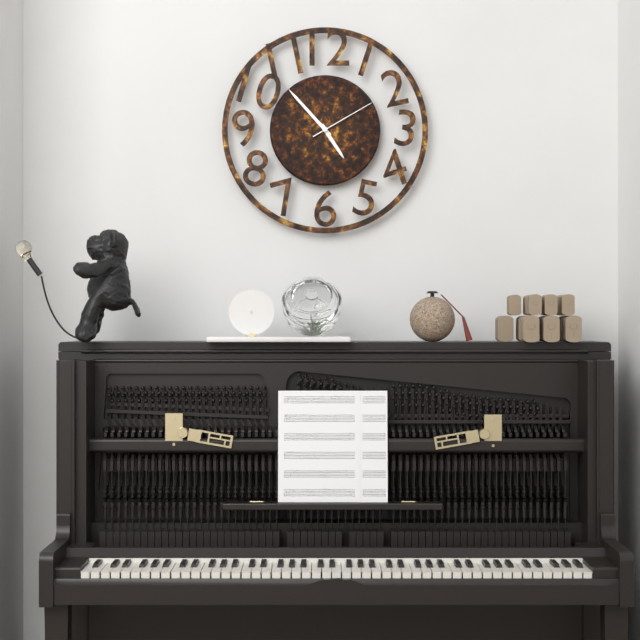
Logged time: 4 h 53 min 10 s
